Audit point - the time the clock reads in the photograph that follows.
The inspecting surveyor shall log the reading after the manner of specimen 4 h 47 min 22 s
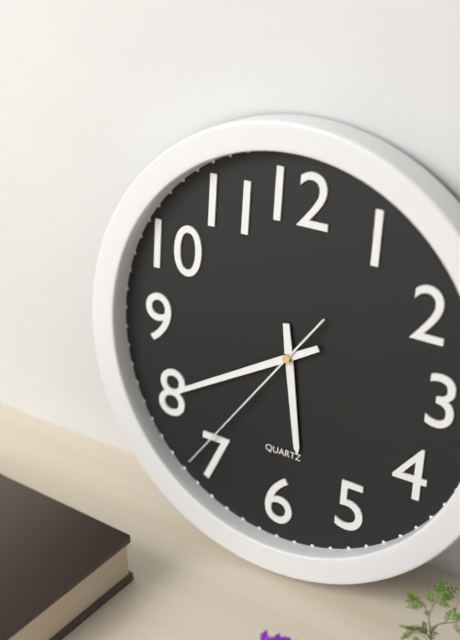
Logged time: 5 h 40 min 36 s
